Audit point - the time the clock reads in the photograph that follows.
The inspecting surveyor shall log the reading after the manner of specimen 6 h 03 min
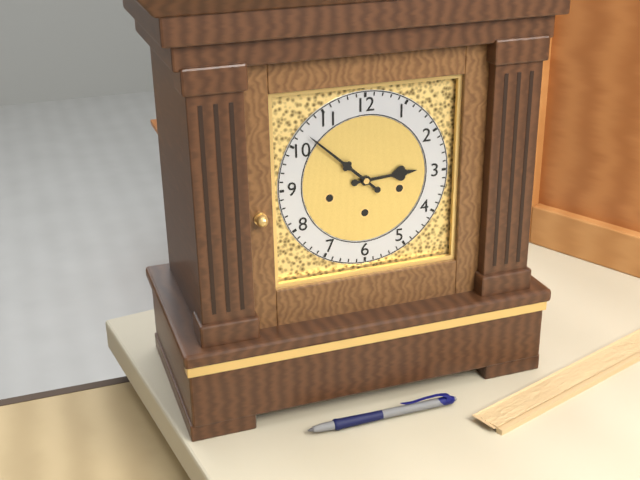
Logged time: 2 h 52 min
